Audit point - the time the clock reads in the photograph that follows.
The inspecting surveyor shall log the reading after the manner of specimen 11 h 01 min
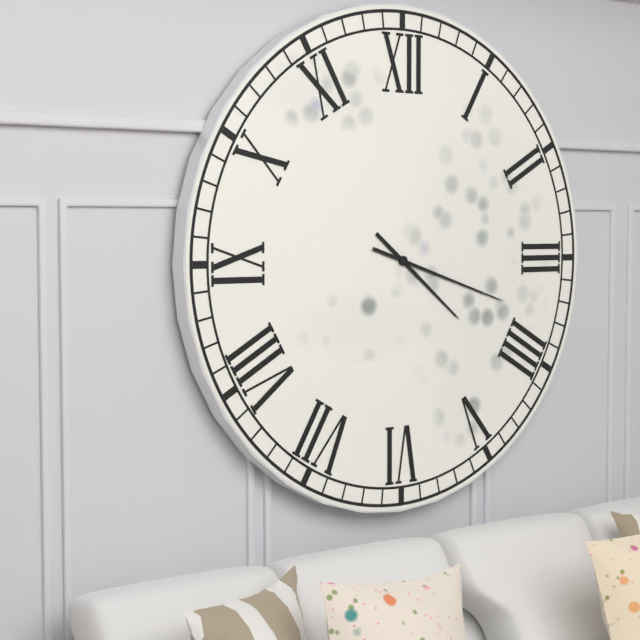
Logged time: 4 h 18 min
